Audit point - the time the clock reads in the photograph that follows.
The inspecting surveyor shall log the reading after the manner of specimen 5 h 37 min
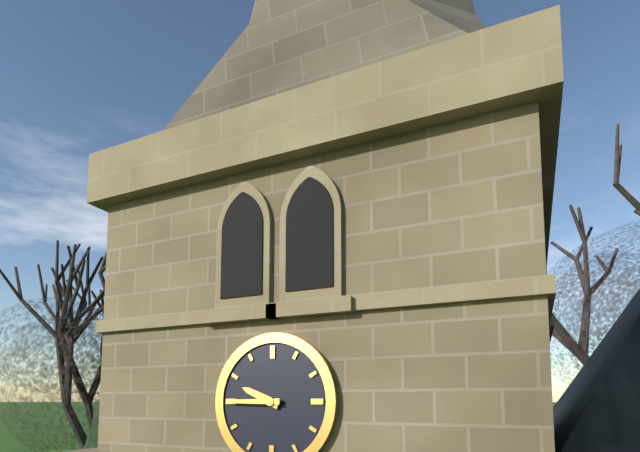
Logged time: 9 h 45 min
